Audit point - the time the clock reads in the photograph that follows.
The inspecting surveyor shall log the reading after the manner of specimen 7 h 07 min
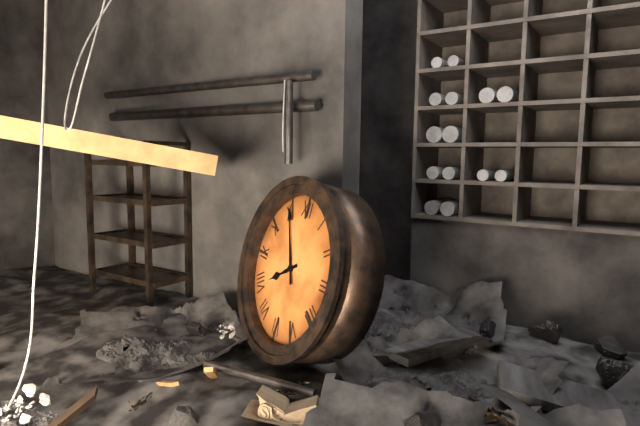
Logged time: 7 h 55 min
